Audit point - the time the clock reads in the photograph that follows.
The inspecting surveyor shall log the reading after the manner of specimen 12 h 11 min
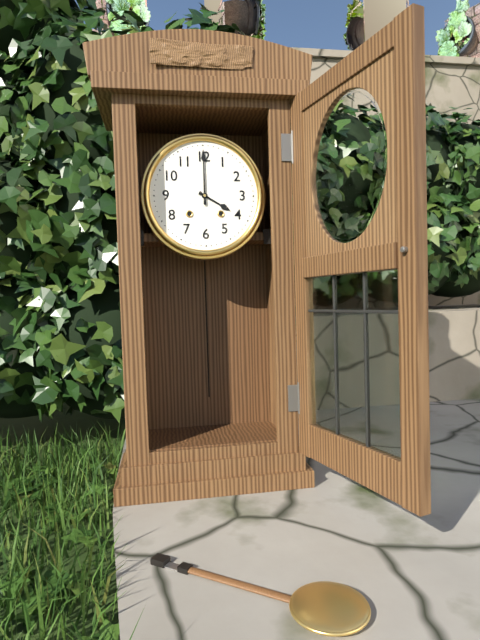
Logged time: 4 h 00 min
